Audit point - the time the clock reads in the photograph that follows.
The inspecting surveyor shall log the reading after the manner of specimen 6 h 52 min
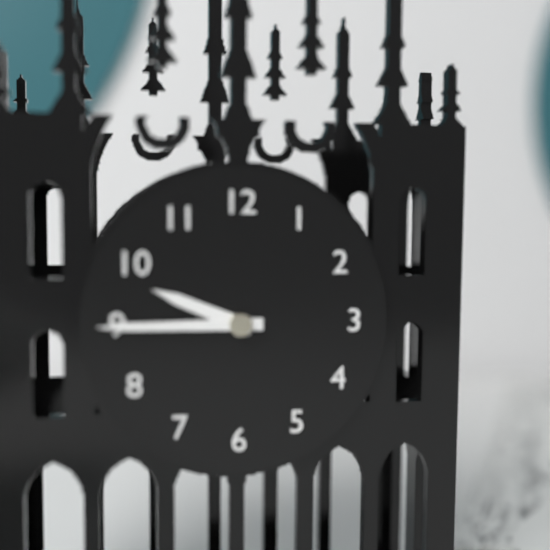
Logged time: 9 h 45 min
